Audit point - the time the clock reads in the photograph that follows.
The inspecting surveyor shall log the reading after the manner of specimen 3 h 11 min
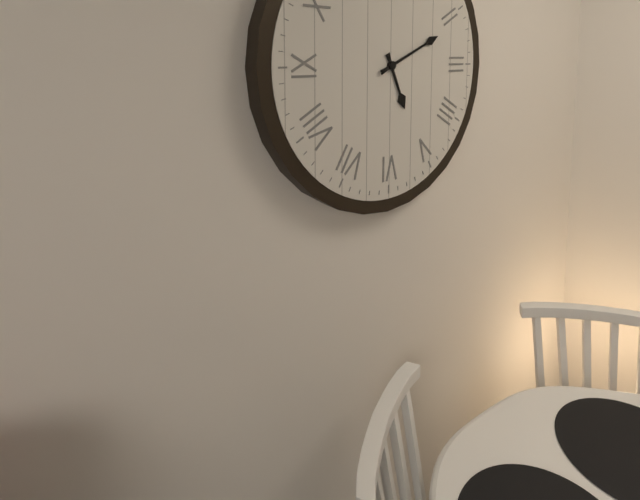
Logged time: 5 h 11 min
